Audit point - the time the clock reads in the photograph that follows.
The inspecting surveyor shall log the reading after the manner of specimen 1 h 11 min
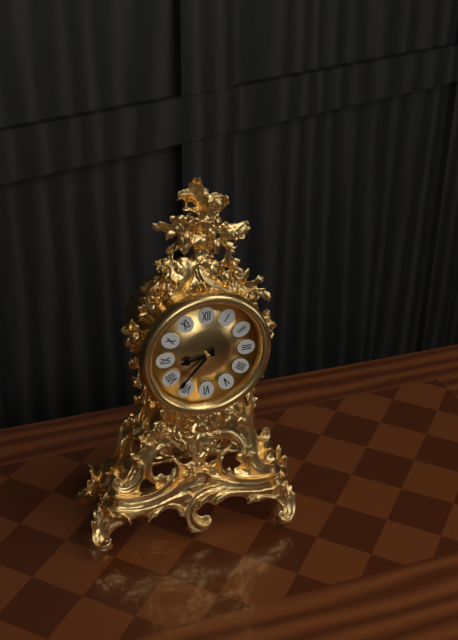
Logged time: 8 h 37 min
